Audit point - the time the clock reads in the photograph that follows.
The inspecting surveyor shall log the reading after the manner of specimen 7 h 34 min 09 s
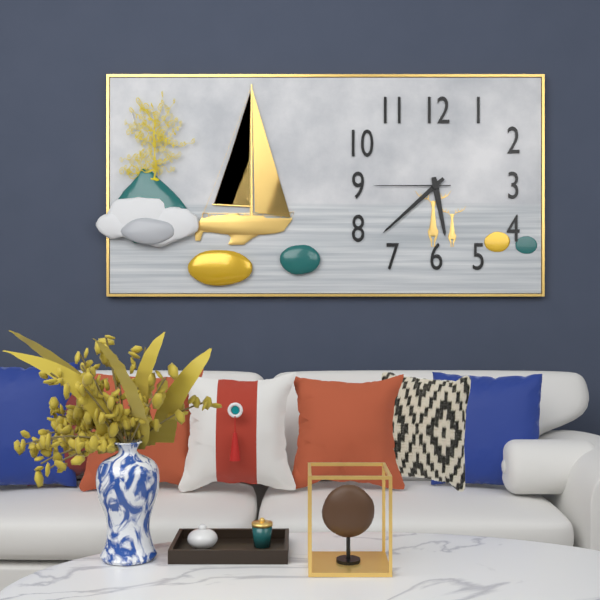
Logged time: 5 h 38 min 45 s
